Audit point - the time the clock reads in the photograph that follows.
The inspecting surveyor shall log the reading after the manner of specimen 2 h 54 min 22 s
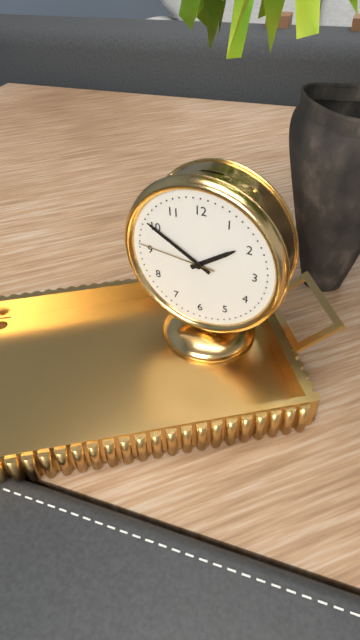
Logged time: 1 h 50 min 46 s
